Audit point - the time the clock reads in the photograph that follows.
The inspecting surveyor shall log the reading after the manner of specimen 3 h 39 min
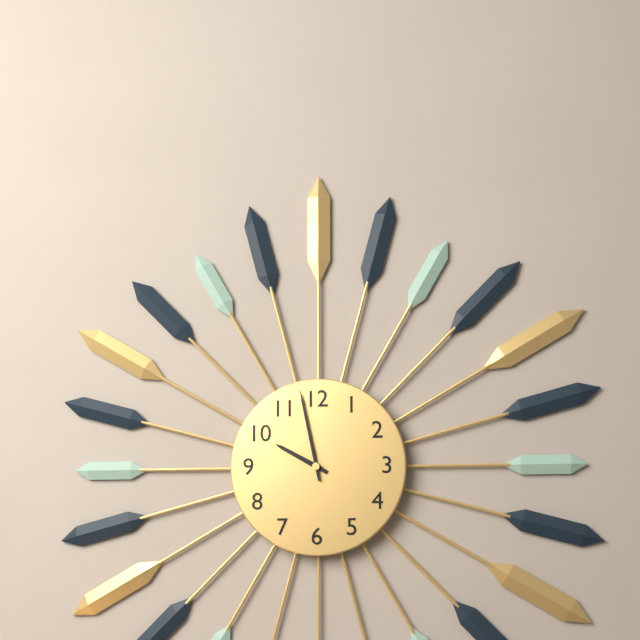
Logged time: 9 h 58 min
